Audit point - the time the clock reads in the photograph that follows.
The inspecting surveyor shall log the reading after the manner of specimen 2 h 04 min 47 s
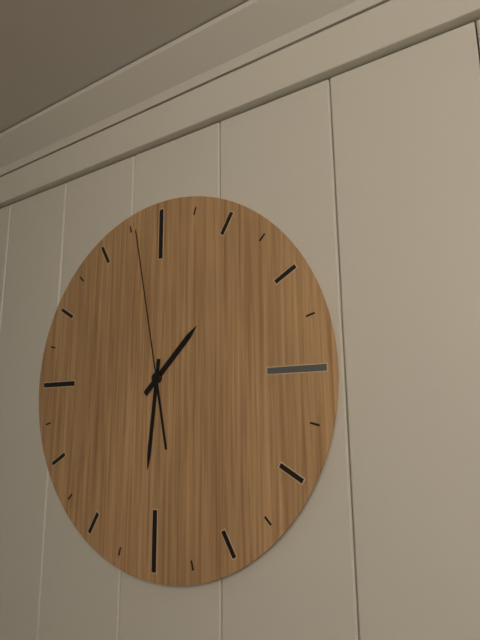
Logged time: 1 h 31 min 58 s
